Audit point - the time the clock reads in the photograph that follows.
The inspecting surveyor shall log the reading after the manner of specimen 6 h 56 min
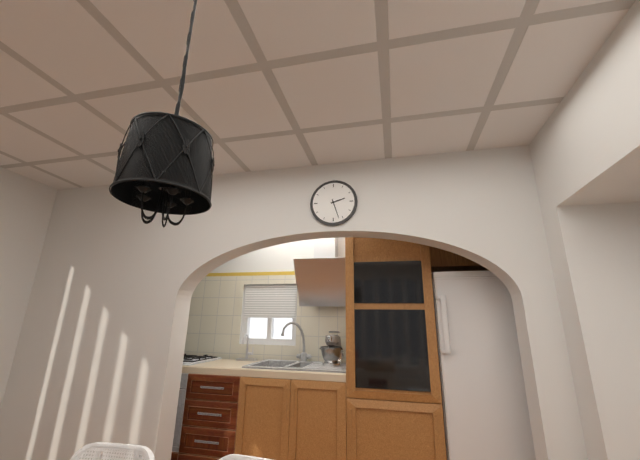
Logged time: 2 h 27 min
